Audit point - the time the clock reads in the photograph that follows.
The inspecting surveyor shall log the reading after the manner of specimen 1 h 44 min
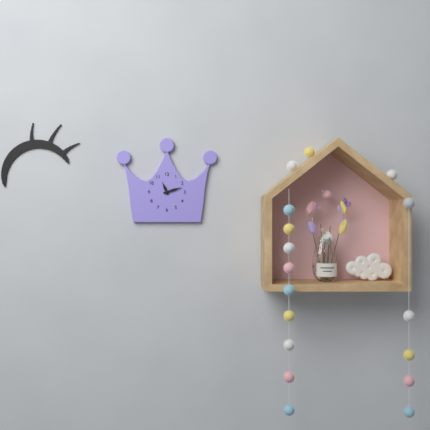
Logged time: 11 h 12 min
